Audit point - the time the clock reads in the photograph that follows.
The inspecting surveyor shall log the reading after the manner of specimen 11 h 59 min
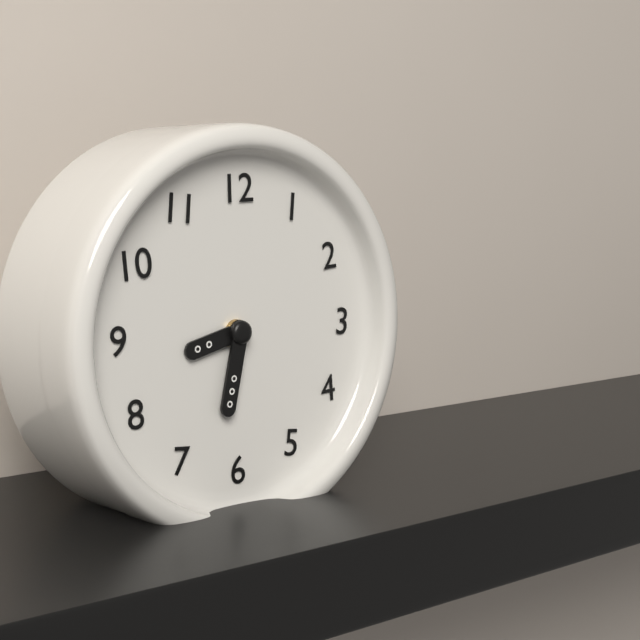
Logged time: 8 h 32 min
